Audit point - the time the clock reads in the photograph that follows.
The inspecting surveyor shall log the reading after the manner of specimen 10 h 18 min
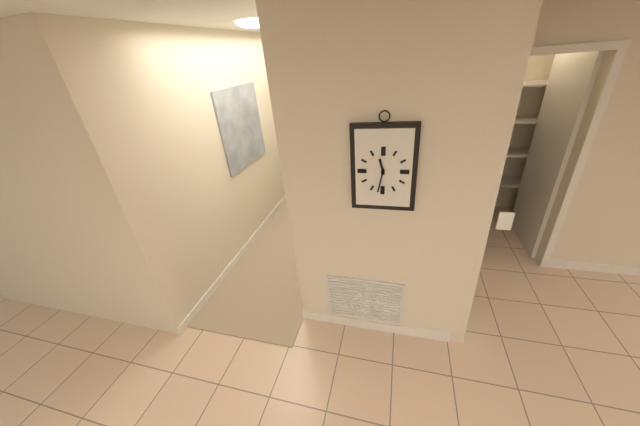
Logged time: 11 h 32 min
